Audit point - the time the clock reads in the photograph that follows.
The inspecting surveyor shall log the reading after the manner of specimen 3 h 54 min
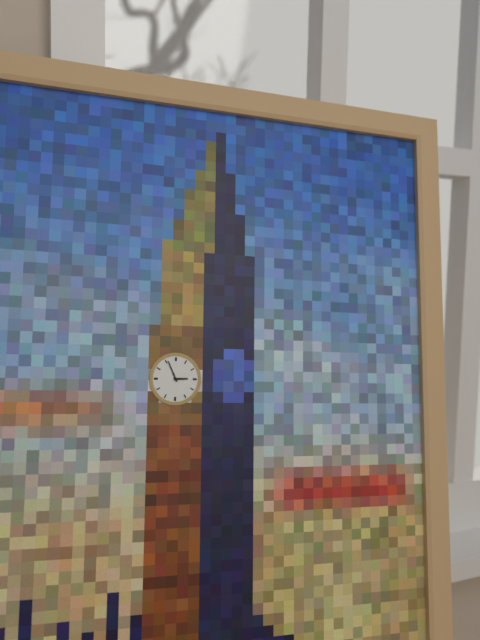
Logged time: 2 h 56 min
